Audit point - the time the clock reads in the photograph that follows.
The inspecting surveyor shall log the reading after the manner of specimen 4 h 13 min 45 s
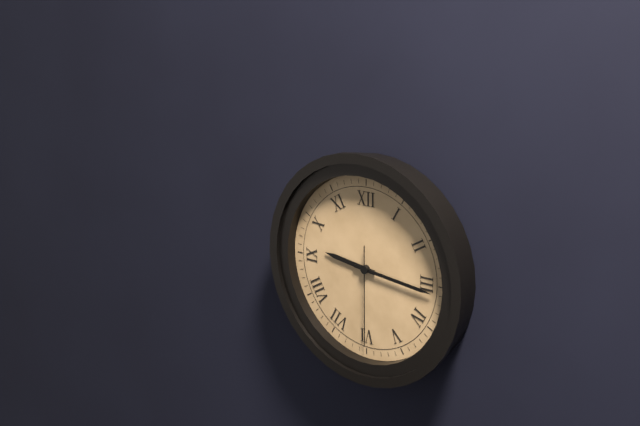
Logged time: 9 h 16 min 30 s
